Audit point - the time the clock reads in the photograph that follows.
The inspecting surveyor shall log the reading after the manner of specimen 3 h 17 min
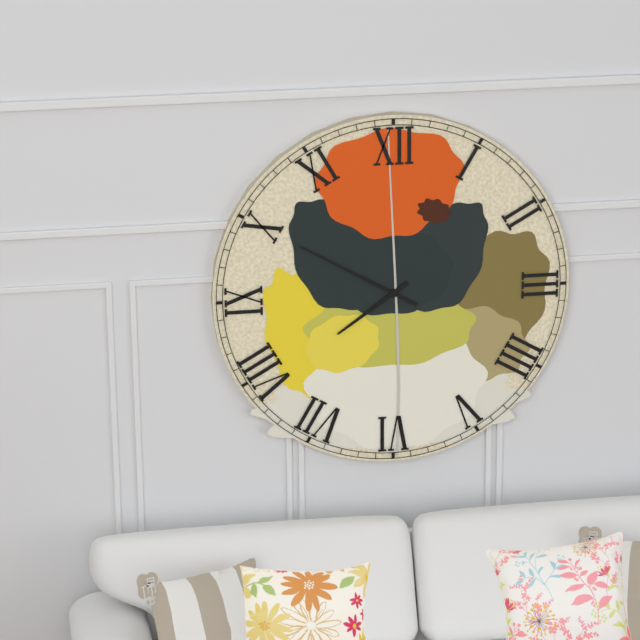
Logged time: 7 h 50 min
